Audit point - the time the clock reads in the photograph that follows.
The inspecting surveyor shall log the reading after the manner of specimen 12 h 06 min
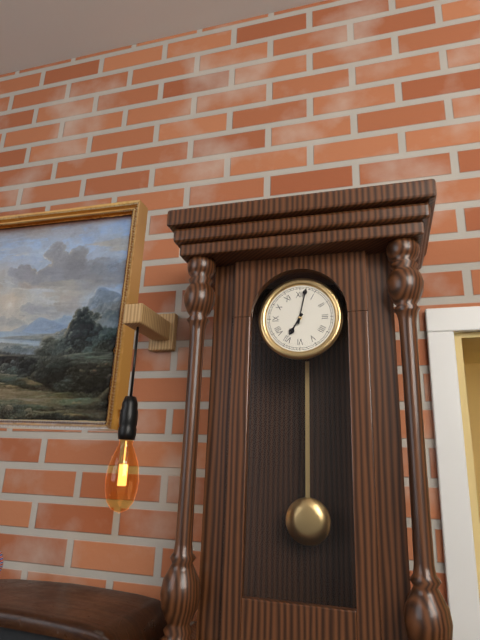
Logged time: 7 h 02 min
